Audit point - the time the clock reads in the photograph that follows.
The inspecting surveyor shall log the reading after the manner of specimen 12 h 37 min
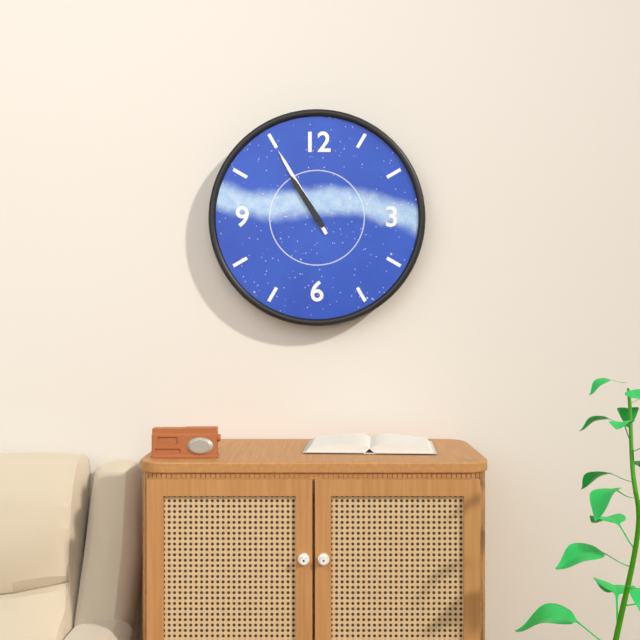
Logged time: 10 h 55 min
